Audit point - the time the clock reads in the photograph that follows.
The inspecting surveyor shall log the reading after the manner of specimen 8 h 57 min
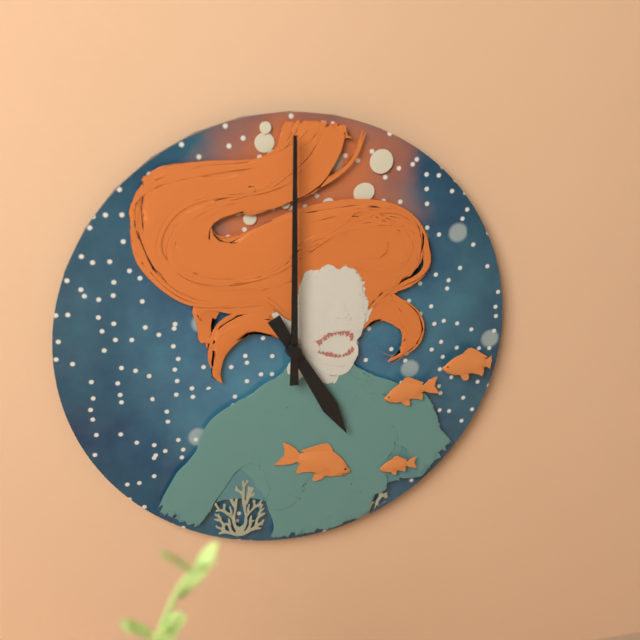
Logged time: 5 h 00 min
